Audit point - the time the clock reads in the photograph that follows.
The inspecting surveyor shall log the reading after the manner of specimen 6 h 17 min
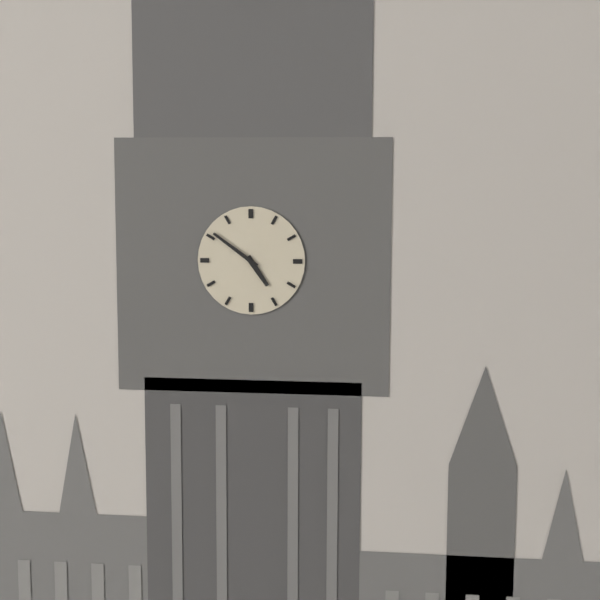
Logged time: 4 h 51 min
